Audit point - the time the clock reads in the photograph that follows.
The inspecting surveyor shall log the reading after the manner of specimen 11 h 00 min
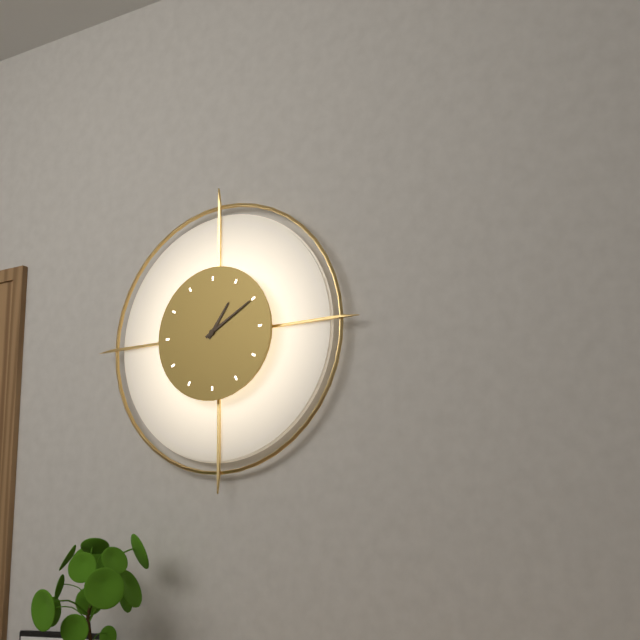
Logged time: 1 h 10 min
